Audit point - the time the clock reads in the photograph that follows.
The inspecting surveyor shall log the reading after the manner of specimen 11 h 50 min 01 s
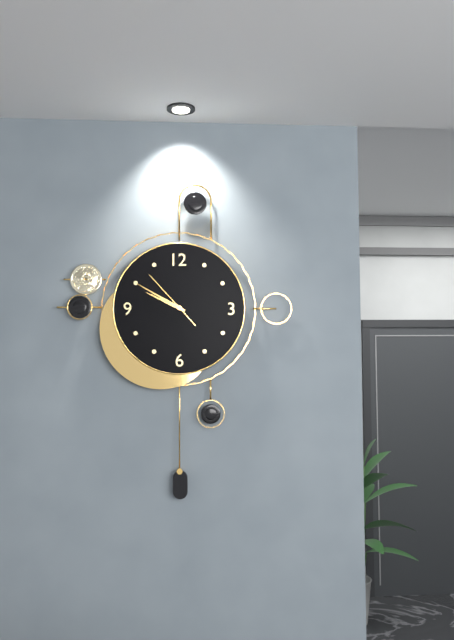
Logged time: 9 h 50 min 53 s
